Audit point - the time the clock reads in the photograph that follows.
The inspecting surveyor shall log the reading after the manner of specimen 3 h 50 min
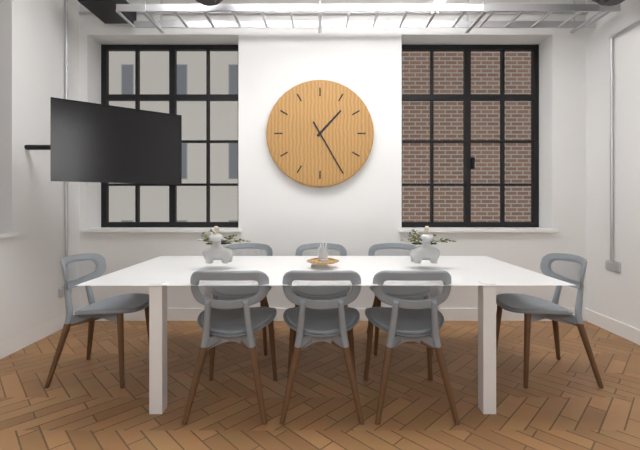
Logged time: 1 h 25 min
